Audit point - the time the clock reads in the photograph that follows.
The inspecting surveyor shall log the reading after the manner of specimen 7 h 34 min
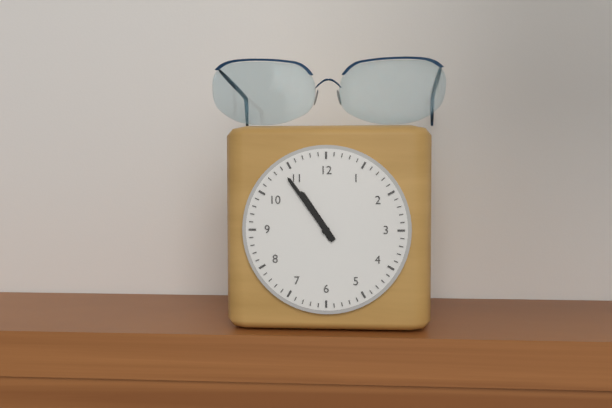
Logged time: 10 h 54 min
